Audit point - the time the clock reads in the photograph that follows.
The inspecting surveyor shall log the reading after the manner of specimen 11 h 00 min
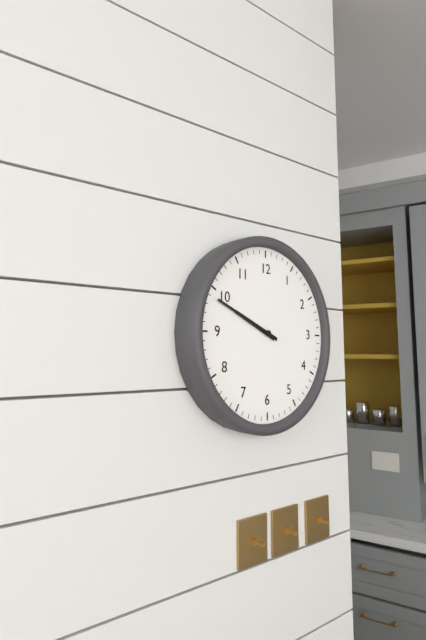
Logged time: 9 h 49 min
